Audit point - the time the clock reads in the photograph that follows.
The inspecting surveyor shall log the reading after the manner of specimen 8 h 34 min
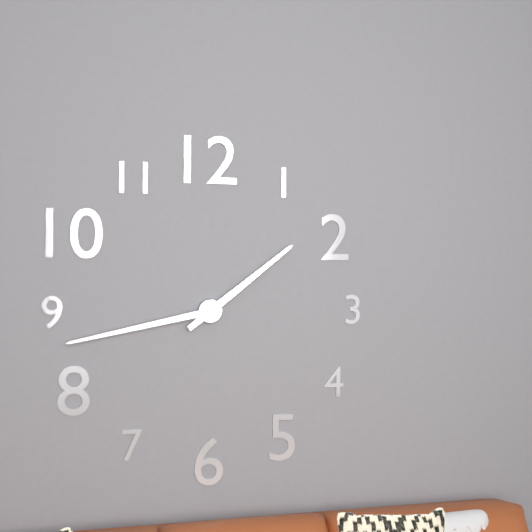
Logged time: 1 h 43 min
